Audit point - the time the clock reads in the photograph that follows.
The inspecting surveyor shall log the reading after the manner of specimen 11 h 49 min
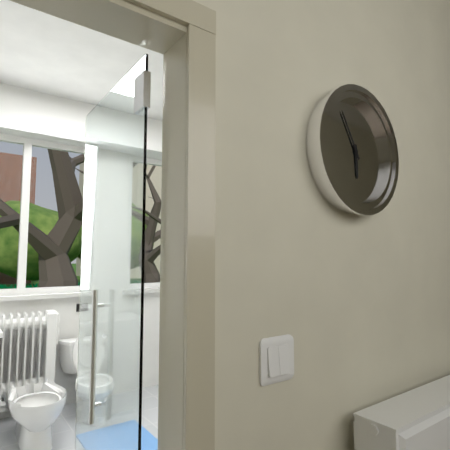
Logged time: 5 h 55 min
